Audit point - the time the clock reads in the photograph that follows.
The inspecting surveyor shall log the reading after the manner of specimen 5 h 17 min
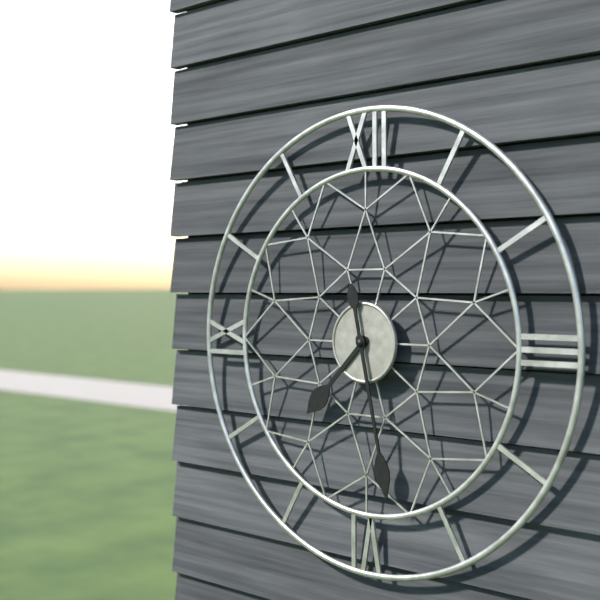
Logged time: 7 h 28 min
